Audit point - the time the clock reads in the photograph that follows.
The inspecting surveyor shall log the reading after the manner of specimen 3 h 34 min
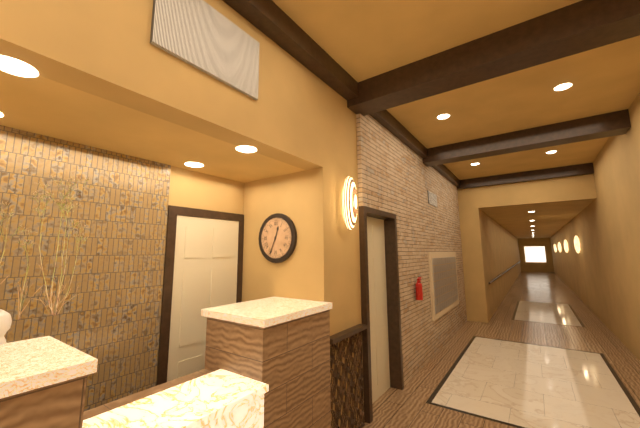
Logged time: 12 h 34 min
